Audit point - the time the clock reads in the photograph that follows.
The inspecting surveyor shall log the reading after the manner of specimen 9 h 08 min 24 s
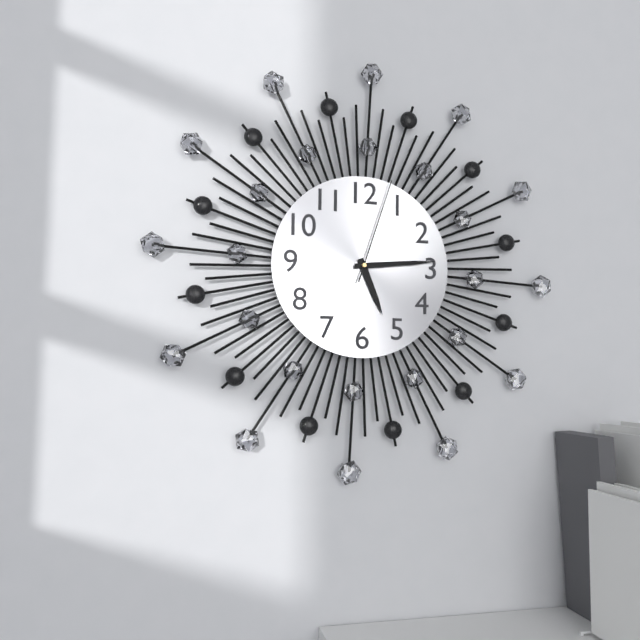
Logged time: 5 h 14 min 03 s
